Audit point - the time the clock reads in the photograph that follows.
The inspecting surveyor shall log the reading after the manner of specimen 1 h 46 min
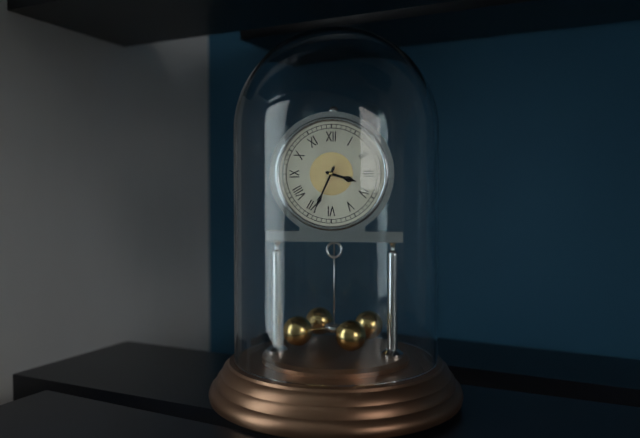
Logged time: 3 h 34 min
